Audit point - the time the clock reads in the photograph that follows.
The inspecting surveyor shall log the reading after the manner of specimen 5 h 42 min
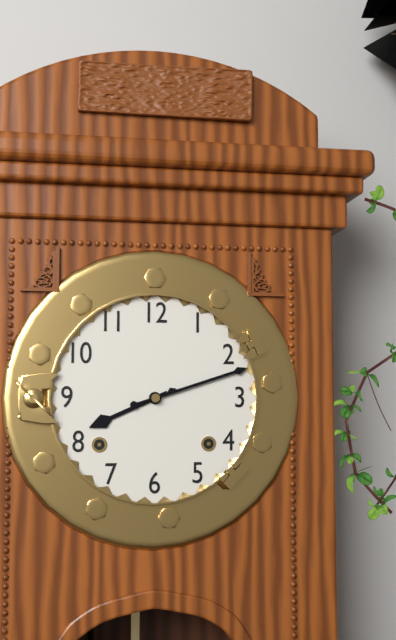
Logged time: 8 h 12 min
